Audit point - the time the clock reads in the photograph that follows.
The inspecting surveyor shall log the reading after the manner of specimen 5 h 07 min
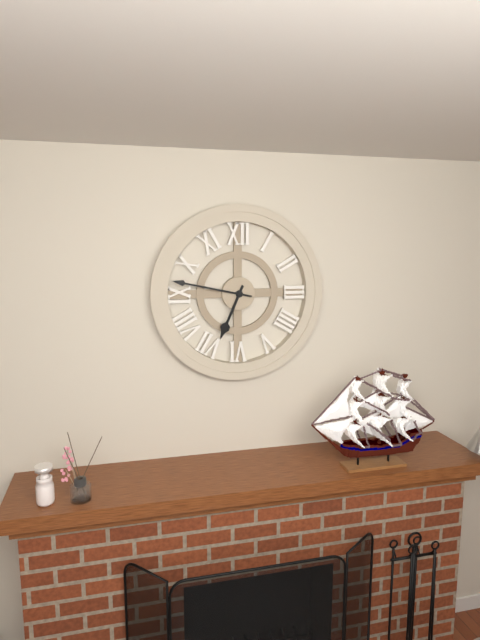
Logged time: 6 h 47 min
